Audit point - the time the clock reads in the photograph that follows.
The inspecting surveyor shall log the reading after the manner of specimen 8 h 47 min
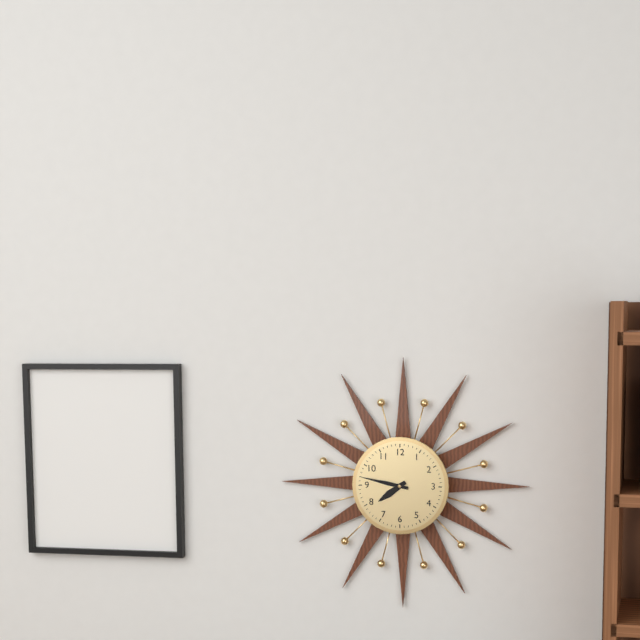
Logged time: 7 h 47 min
